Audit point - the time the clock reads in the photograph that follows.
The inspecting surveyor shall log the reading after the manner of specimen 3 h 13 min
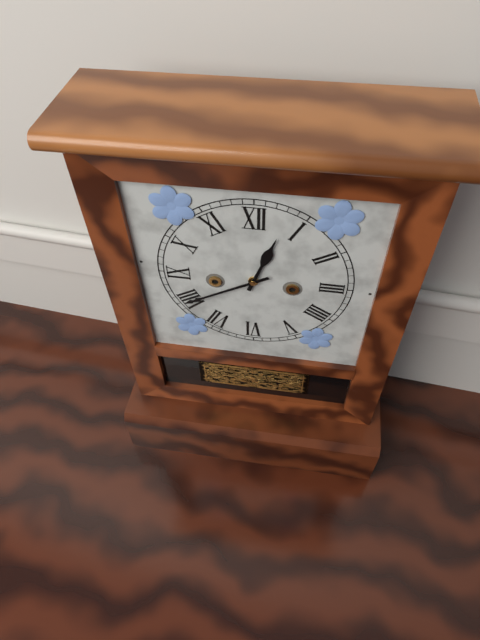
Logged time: 12 h 40 min
